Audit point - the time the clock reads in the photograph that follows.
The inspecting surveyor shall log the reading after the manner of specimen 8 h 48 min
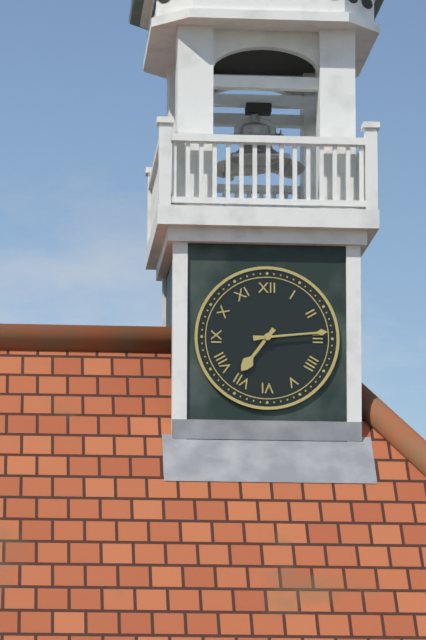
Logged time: 7 h 14 min
